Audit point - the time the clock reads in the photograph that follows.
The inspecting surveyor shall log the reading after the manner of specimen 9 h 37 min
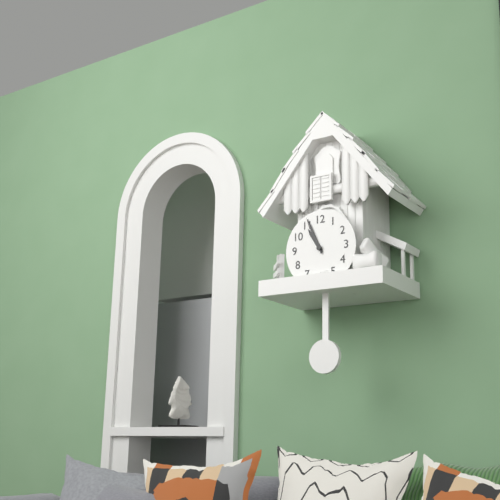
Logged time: 10 h 56 min
